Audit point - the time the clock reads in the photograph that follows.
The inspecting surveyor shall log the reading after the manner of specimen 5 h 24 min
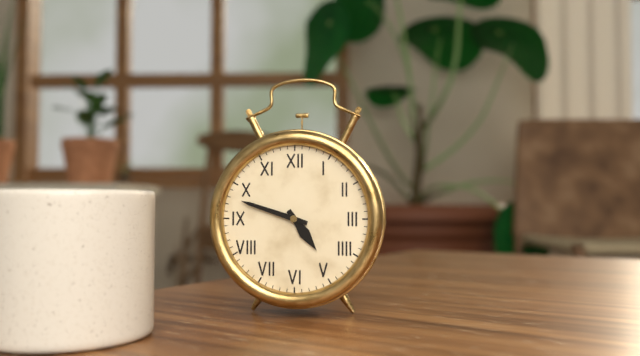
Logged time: 4 h 48 min
